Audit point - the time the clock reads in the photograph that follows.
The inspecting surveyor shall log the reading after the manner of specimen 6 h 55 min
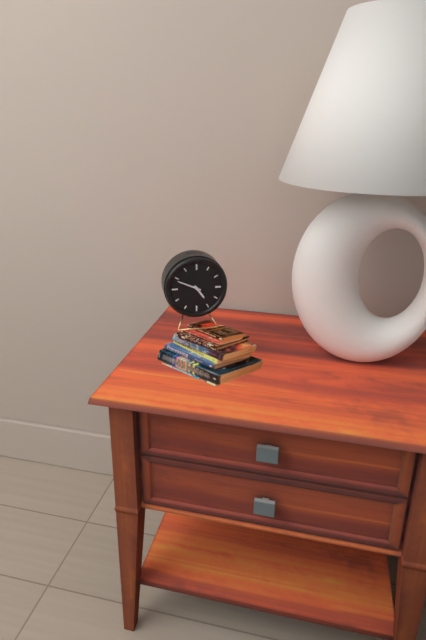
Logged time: 4 h 49 min
